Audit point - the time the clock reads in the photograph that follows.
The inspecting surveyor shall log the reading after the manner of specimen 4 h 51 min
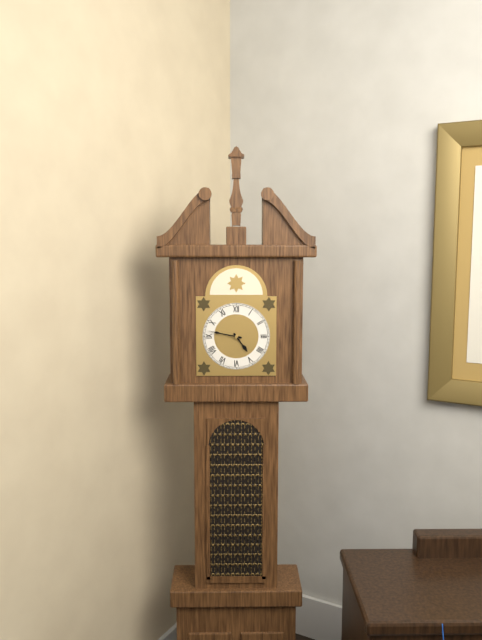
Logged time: 4 h 47 min
